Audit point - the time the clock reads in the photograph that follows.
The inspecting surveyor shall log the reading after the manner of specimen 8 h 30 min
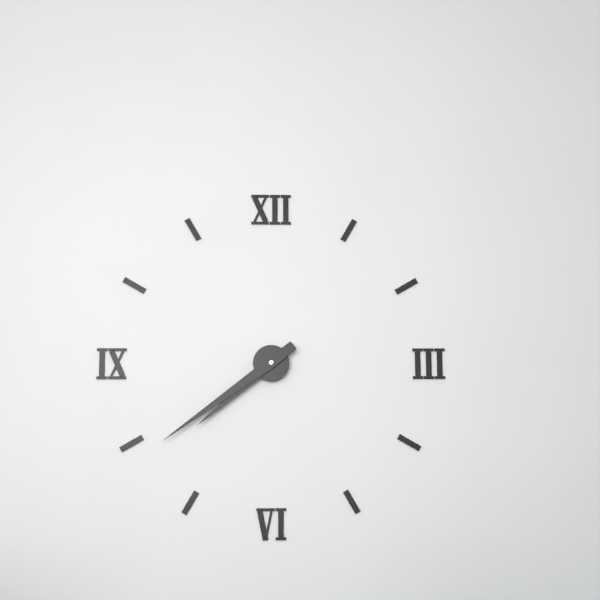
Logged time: 7 h 39 min
